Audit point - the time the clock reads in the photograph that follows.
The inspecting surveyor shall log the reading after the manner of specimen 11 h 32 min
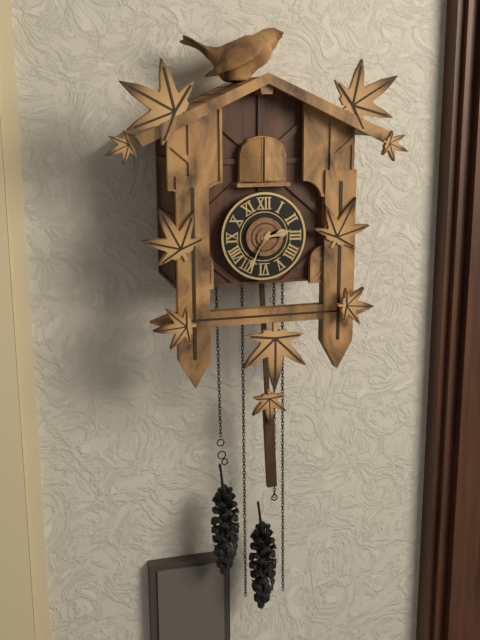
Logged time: 2 h 35 min
